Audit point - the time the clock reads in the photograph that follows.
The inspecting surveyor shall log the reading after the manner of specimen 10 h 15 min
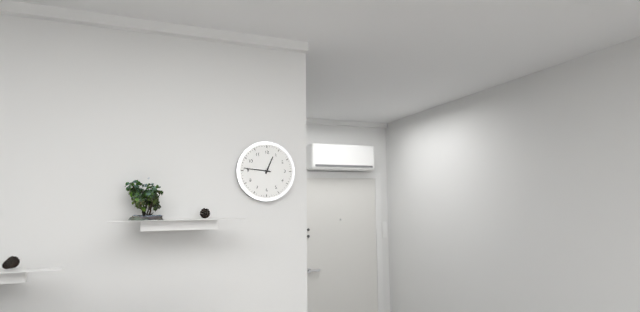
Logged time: 12 h 46 min
